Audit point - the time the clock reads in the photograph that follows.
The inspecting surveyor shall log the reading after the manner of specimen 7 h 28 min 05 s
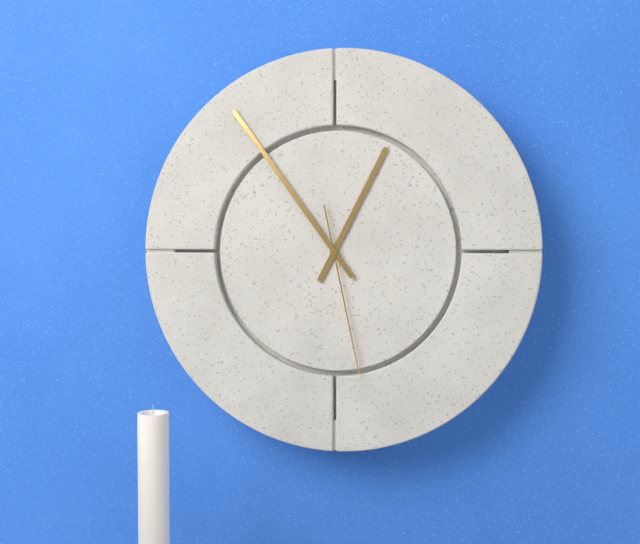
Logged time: 12 h 54 min 28 s
